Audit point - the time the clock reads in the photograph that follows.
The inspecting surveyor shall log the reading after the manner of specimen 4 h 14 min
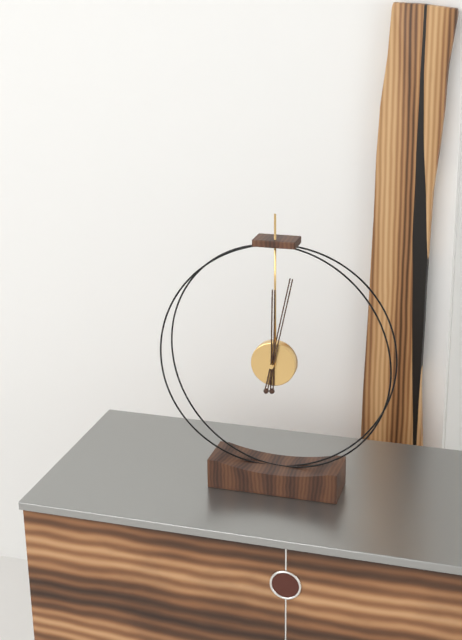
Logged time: 12 h 02 min
